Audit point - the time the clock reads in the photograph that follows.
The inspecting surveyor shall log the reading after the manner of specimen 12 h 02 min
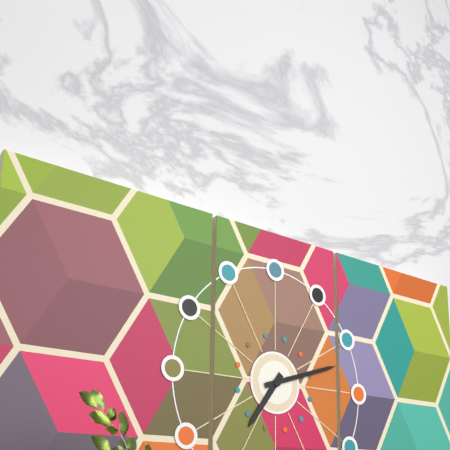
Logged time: 7 h 12 min
